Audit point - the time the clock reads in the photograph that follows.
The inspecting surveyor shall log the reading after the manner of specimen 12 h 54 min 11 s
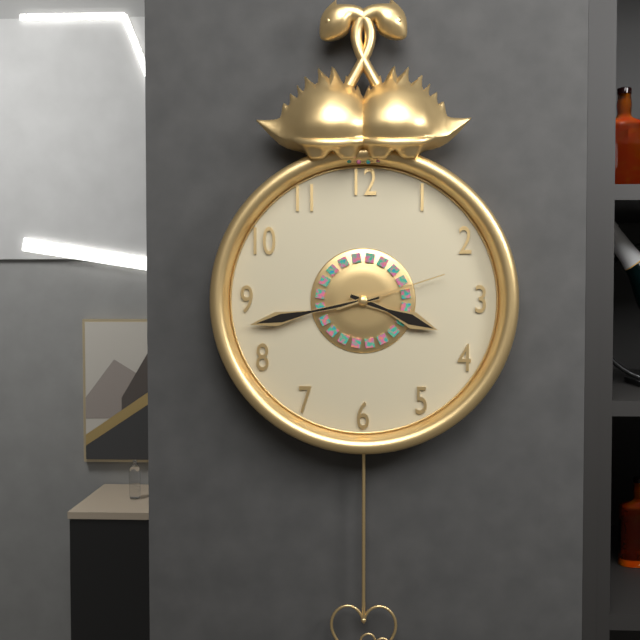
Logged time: 3 h 43 min 12 s
